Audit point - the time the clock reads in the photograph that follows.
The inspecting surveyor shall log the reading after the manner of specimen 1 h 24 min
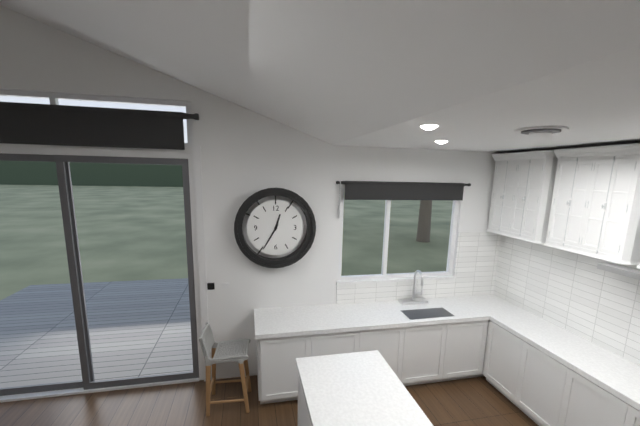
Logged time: 12 h 35 min
